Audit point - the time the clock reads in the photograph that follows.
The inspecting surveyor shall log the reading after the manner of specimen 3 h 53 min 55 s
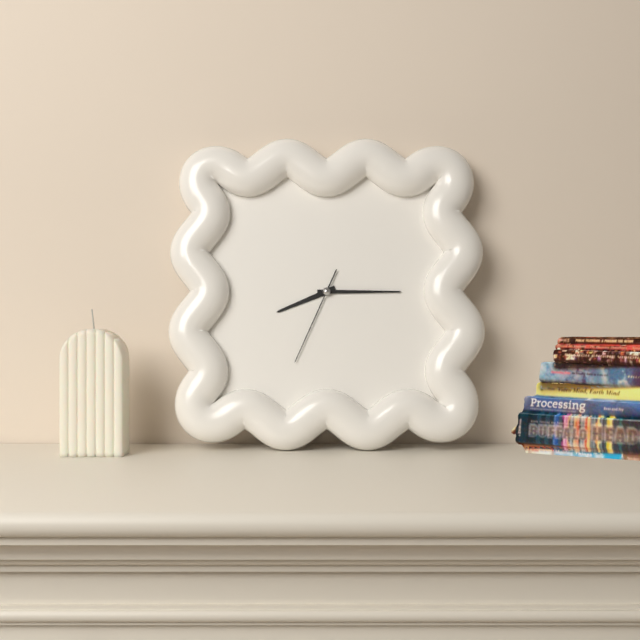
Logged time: 8 h 15 min 34 s
